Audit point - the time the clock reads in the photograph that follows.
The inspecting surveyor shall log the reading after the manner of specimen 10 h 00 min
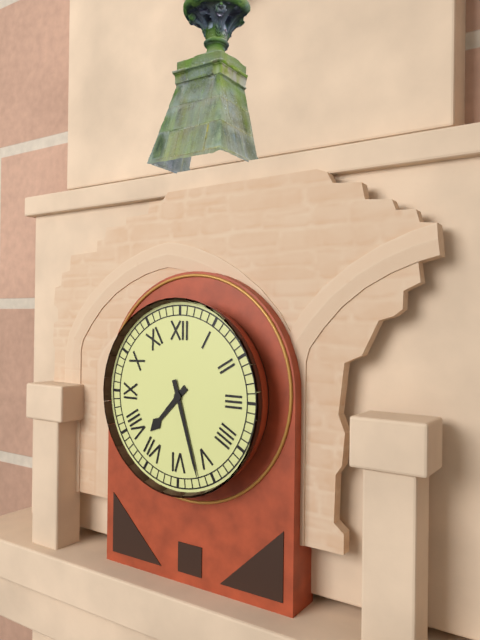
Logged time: 7 h 27 min
